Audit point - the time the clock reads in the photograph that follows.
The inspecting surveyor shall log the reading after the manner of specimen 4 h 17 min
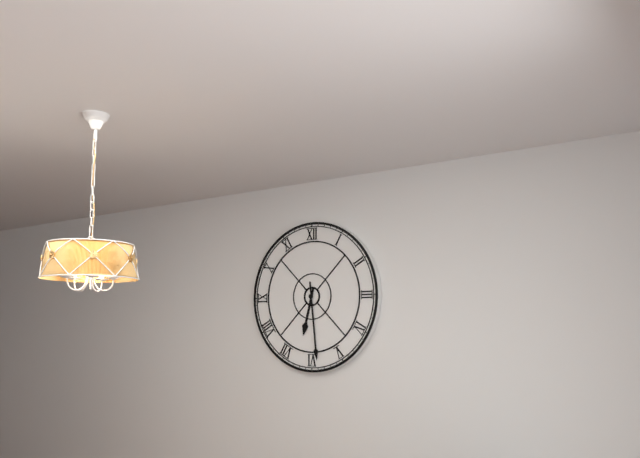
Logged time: 6 h 29 min
